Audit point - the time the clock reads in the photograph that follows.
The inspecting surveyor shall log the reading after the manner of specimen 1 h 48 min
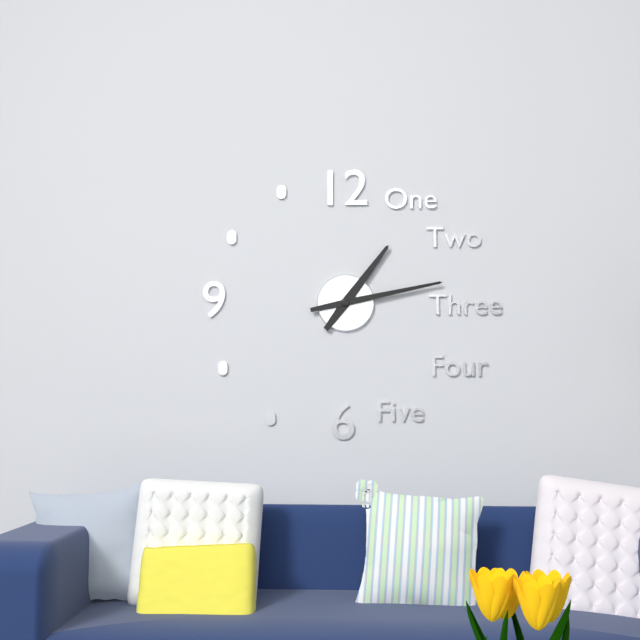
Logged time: 1 h 13 min
